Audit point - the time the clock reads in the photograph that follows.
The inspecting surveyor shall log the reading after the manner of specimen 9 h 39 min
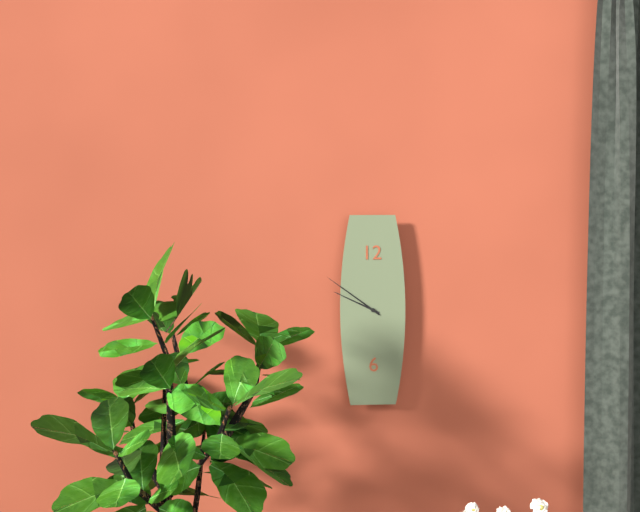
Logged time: 9 h 51 min
